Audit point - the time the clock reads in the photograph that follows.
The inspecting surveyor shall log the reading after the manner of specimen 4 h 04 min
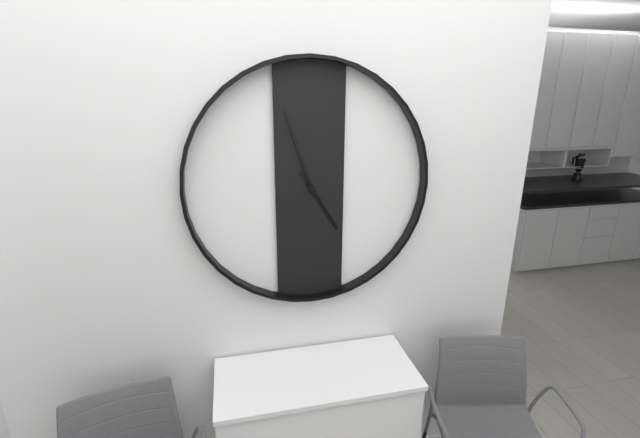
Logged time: 4 h 57 min
